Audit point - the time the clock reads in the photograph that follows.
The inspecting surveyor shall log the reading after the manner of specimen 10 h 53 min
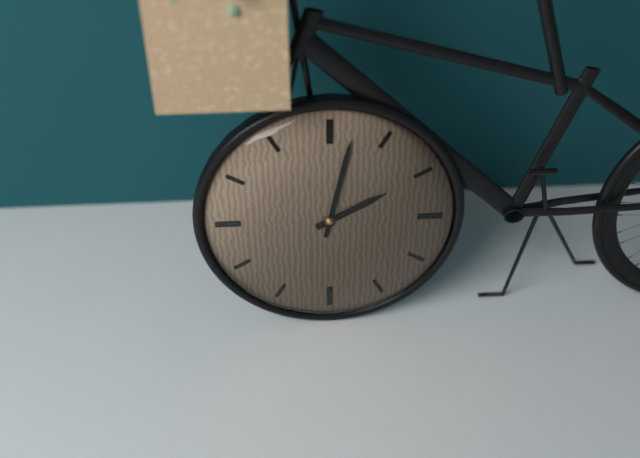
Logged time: 2 h 02 min
